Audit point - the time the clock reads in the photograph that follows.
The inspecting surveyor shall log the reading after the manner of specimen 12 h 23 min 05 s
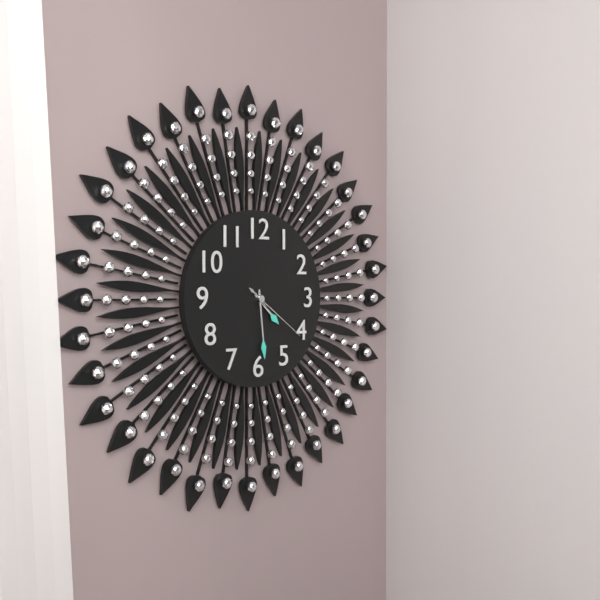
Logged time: 4 h 29 min 21 s
